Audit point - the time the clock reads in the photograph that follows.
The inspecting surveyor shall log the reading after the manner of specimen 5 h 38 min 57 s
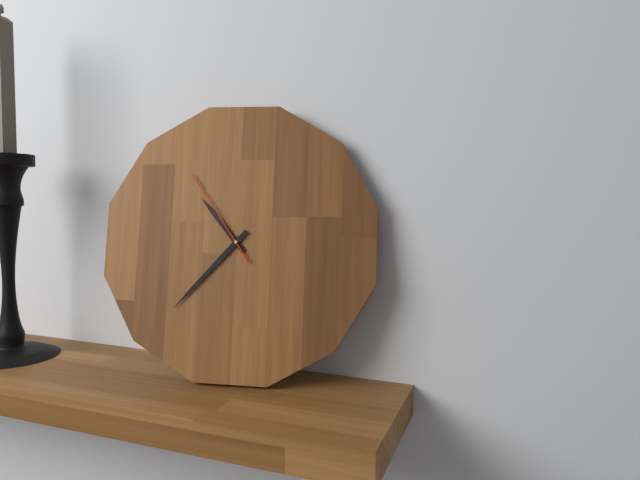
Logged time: 10 h 37 min 54 s
